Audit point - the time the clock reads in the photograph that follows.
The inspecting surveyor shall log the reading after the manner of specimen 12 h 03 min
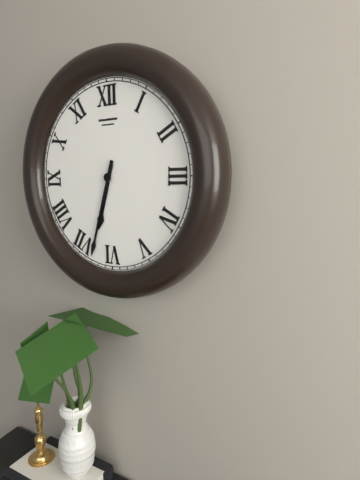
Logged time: 6 h 33 min
